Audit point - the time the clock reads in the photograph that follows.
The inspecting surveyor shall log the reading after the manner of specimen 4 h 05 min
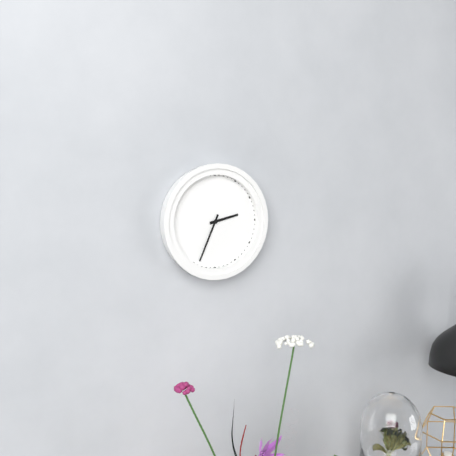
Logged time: 2 h 34 min
